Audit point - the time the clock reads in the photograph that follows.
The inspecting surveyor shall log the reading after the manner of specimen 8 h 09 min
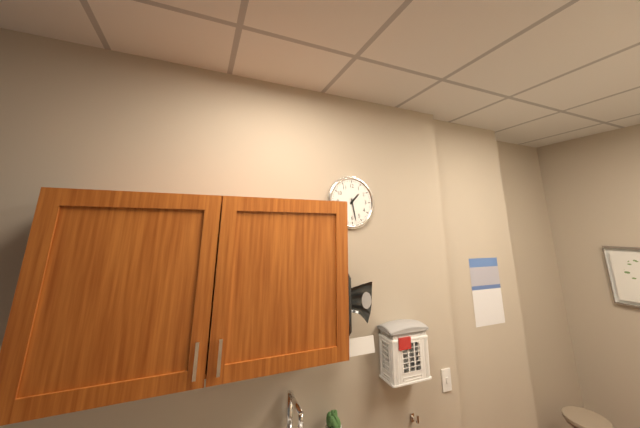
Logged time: 1 h 28 min
